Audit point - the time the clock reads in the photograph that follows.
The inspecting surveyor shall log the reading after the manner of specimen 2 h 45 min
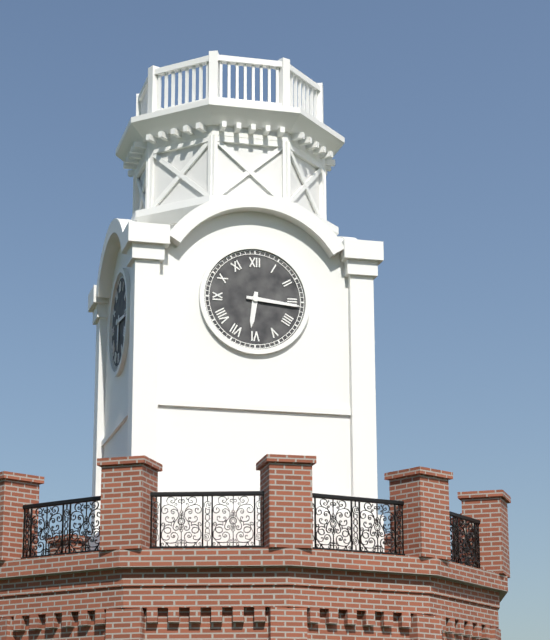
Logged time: 6 h 16 min
